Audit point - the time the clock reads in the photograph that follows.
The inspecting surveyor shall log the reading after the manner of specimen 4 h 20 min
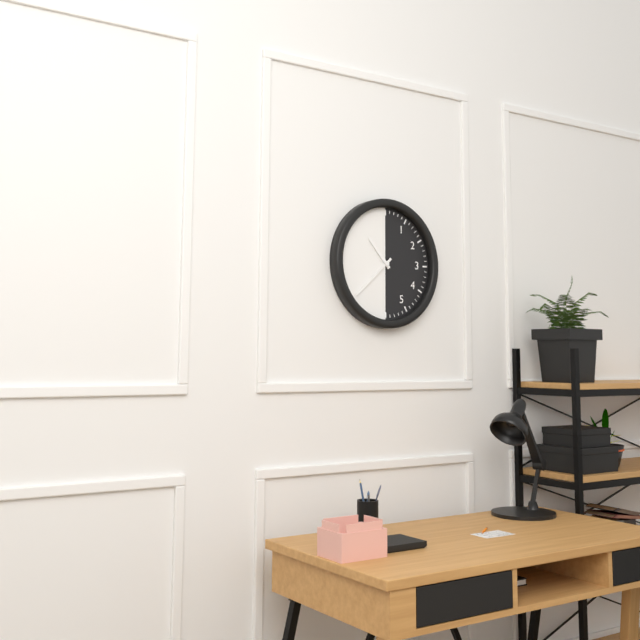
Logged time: 10 h 38 min
